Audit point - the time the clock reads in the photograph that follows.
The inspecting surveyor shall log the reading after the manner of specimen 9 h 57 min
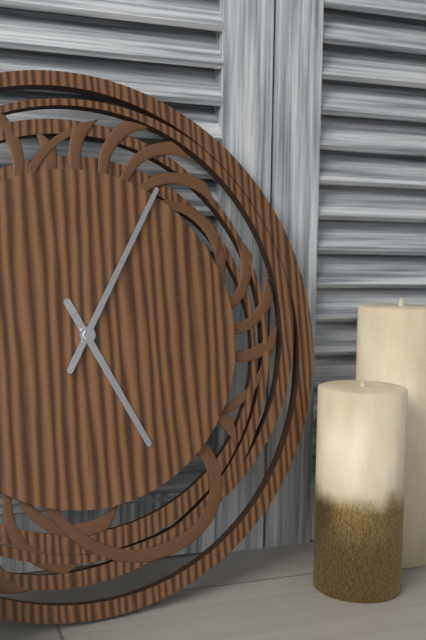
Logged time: 5 h 05 min
